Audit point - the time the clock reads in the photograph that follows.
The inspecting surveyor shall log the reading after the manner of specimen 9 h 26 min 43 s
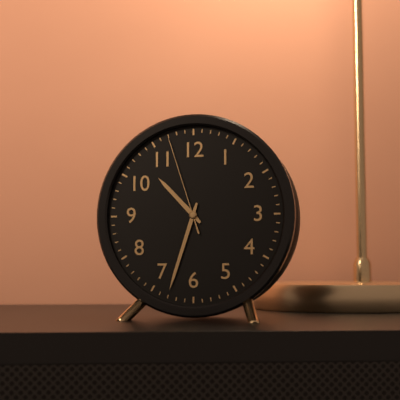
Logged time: 10 h 33 min 57 s
